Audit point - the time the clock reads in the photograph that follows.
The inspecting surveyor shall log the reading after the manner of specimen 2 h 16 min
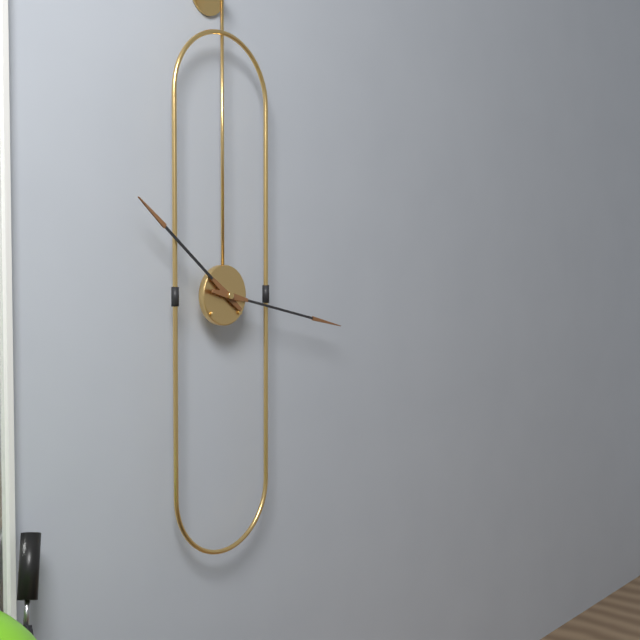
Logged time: 10 h 17 min
